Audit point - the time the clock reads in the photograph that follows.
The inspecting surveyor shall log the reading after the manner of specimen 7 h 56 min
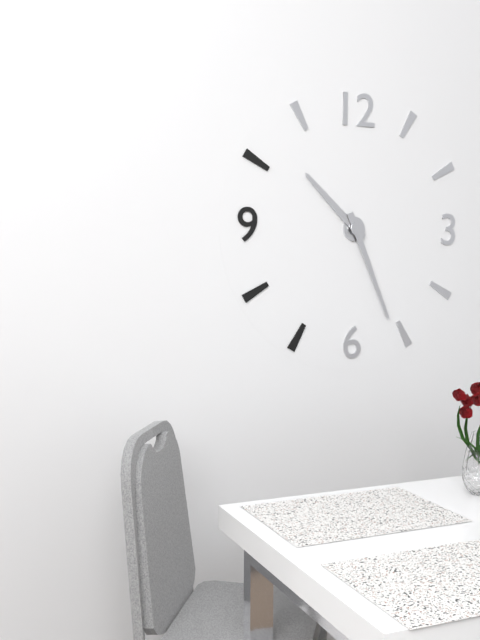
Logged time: 10 h 26 min
